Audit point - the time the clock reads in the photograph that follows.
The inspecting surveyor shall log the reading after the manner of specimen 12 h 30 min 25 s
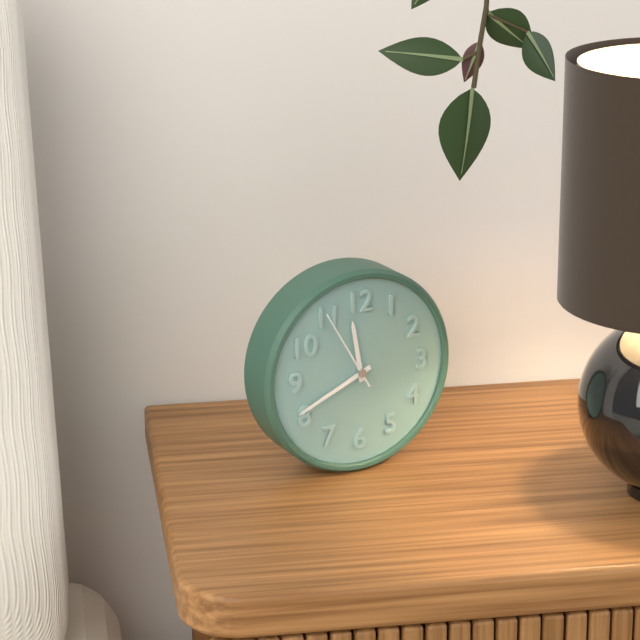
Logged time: 11 h 41 min 55 s
